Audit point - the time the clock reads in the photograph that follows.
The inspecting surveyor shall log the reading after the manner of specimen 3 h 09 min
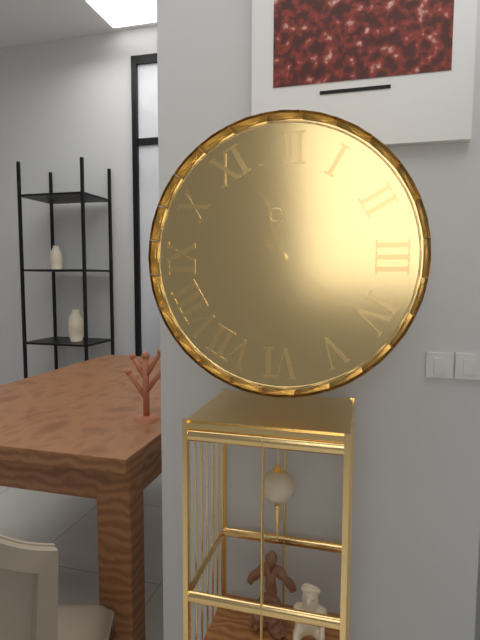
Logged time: 11 h 21 min
